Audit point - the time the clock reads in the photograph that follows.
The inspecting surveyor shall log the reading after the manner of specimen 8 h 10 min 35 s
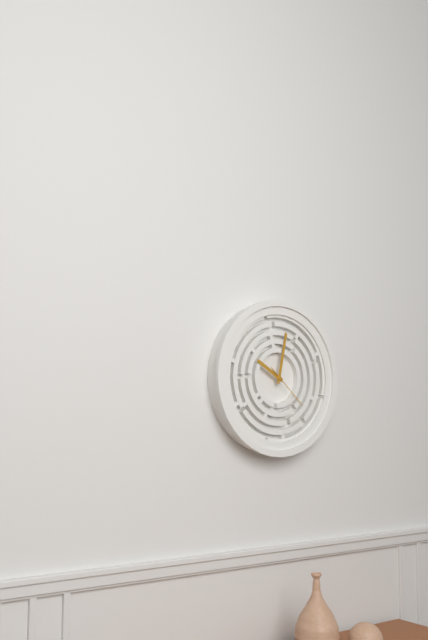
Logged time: 10 h 02 min 22 s
